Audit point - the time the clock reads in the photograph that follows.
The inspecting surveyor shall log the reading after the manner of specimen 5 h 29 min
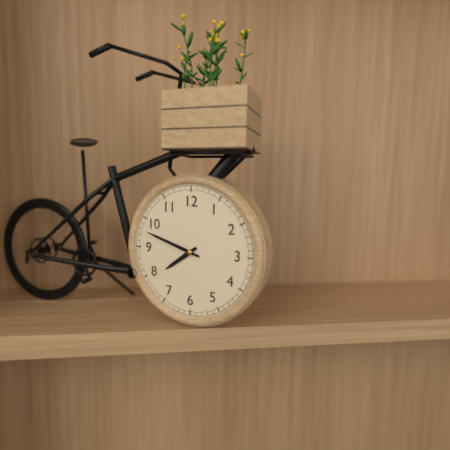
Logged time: 7 h 48 min
